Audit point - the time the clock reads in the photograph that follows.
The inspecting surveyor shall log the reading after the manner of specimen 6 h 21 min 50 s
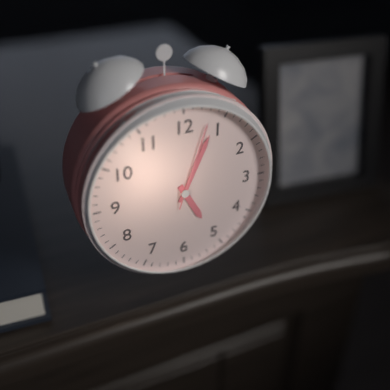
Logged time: 5 h 04 min 03 s
